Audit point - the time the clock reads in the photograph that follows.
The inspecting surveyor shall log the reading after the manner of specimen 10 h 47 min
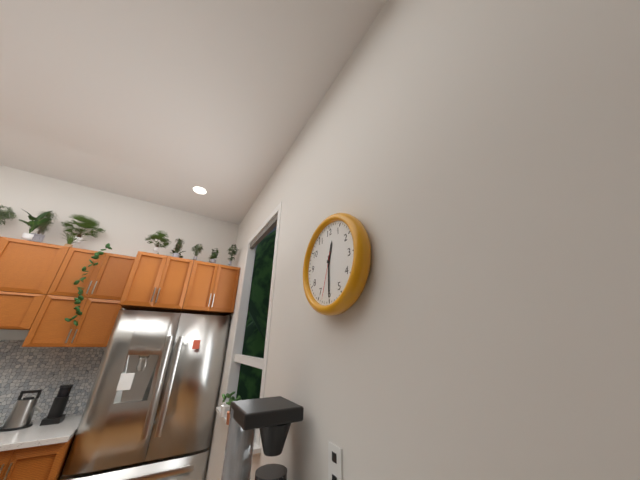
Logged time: 12 h 30 min
